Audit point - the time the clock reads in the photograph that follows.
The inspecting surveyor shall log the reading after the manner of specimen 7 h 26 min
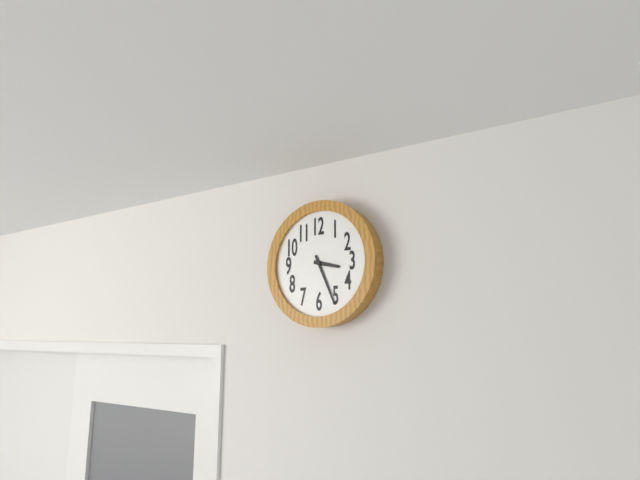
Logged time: 3 h 26 min
